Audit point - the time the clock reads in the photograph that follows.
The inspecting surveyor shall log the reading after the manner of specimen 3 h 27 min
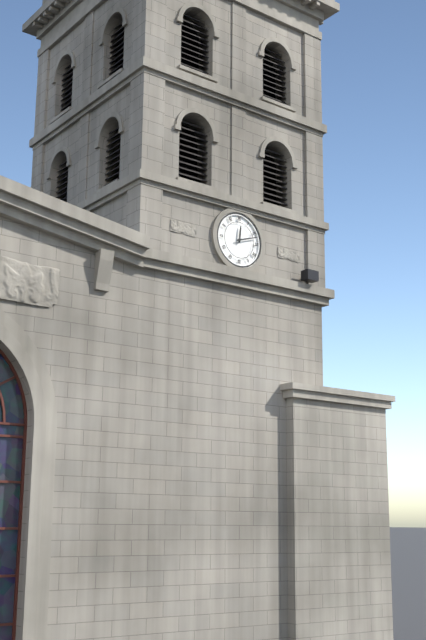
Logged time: 12 h 12 min
